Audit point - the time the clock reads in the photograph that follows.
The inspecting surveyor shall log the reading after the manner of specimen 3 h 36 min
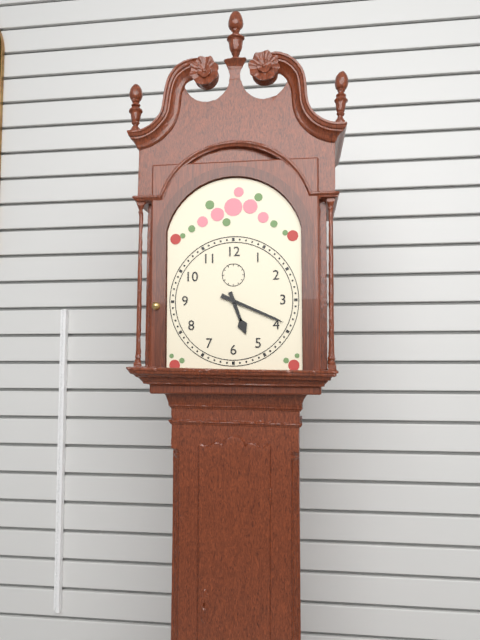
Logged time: 5 h 19 min
